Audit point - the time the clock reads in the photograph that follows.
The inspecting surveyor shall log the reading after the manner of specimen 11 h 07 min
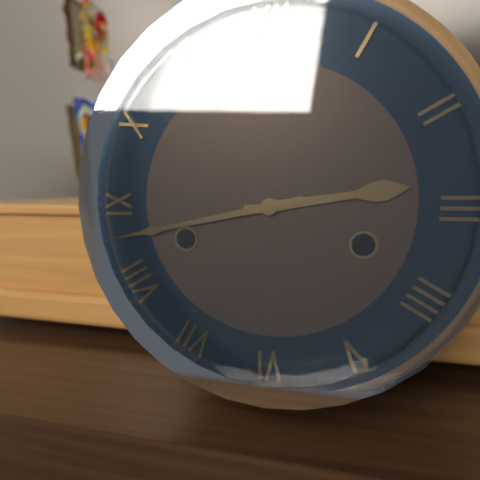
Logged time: 2 h 43 min
